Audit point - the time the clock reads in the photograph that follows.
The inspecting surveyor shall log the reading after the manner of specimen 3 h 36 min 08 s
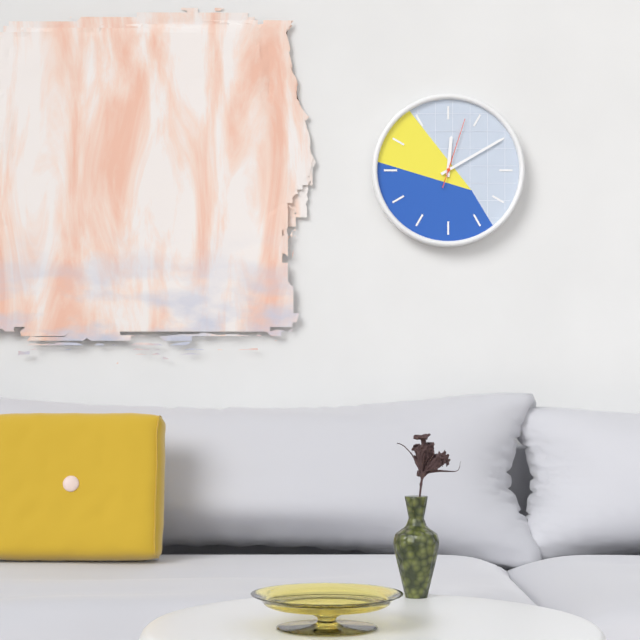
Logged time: 12 h 10 min 03 s
